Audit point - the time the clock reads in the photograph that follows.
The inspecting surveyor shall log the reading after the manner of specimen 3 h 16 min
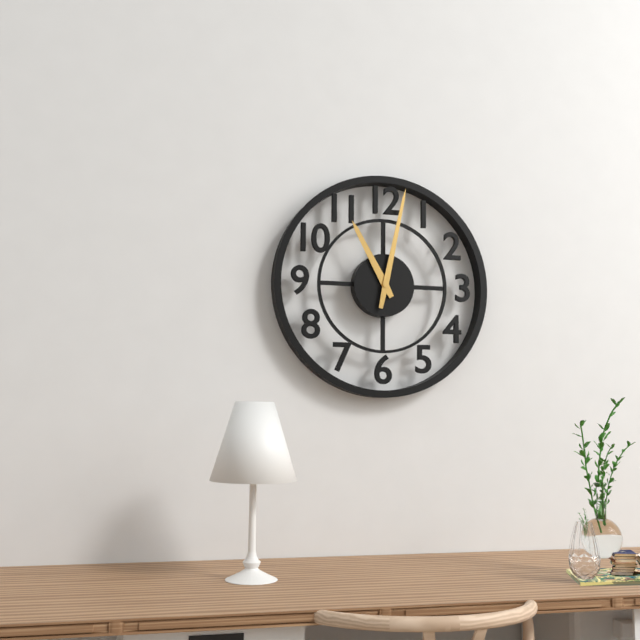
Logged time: 11 h 02 min
